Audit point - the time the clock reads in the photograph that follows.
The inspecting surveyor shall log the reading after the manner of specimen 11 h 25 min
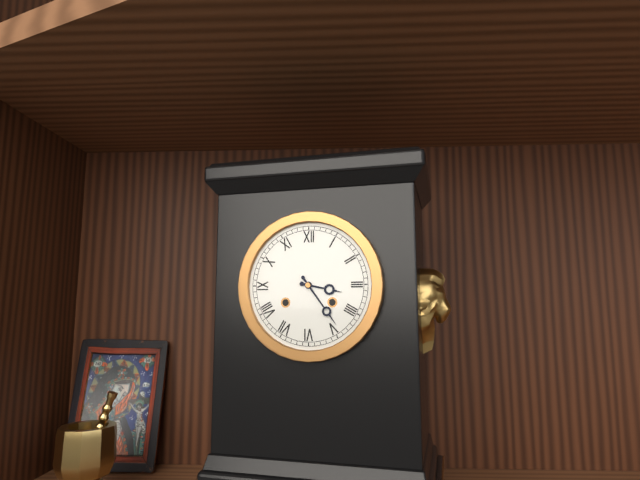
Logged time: 3 h 24 min
